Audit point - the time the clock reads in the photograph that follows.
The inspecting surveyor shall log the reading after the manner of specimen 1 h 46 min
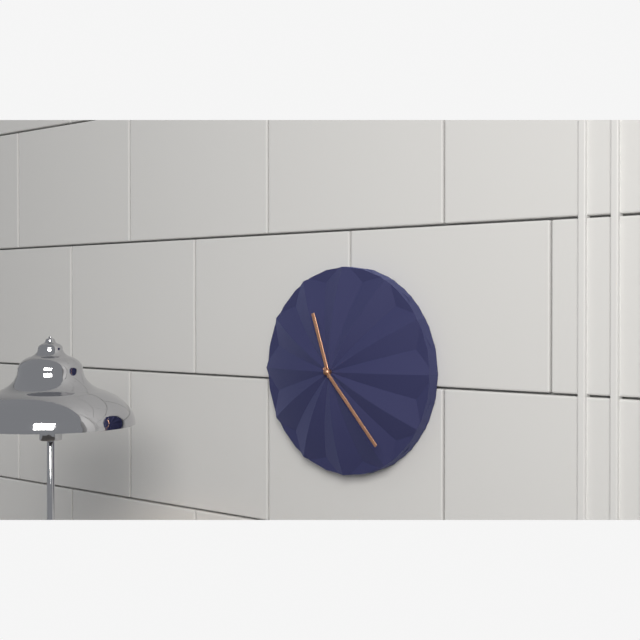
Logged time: 11 h 23 min
